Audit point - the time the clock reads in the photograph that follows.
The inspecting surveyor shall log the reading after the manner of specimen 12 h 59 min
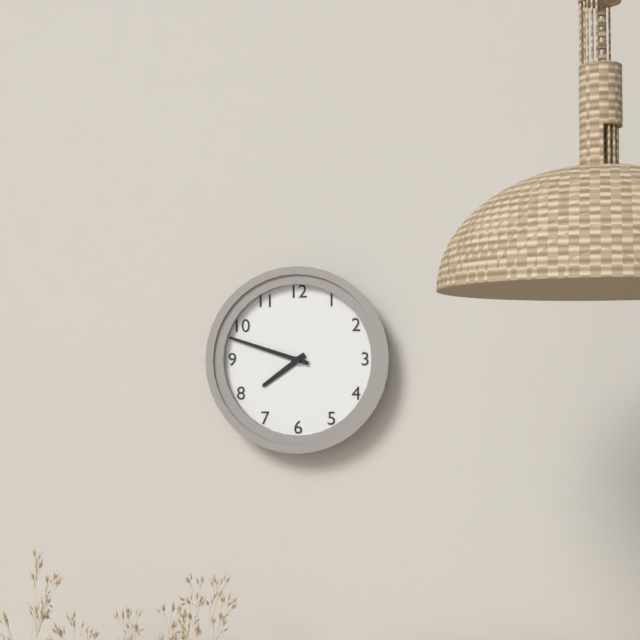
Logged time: 7 h 48 min
